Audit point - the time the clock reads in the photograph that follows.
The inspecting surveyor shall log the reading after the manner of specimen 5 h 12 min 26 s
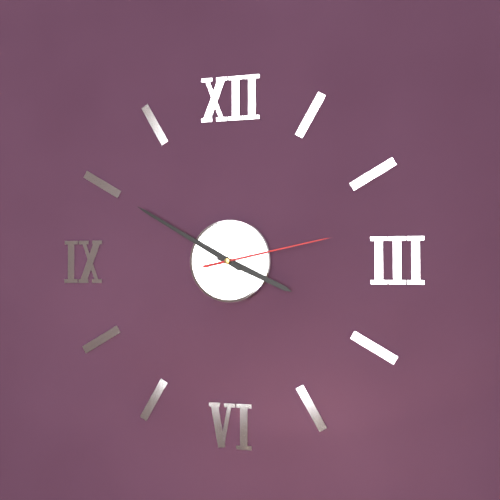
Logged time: 3 h 50 min 13 s
